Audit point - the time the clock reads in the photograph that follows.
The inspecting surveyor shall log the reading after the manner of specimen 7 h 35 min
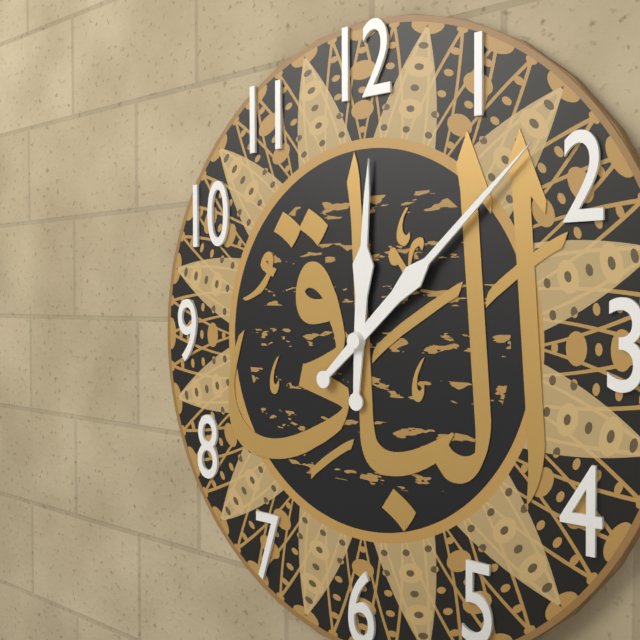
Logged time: 12 h 08 min
